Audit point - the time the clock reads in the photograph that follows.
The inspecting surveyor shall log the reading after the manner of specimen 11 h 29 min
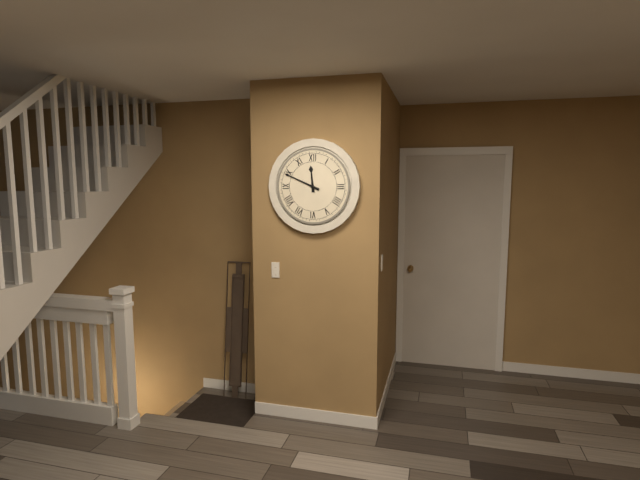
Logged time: 11 h 49 min
